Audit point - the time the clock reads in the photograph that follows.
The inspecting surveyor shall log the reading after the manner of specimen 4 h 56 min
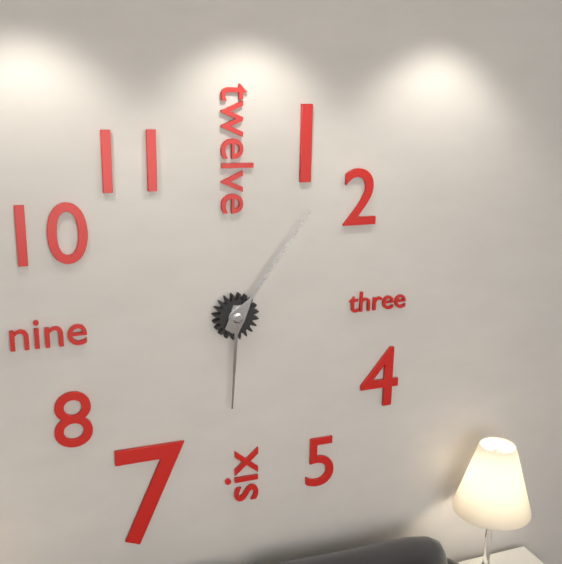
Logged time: 6 h 06 min
